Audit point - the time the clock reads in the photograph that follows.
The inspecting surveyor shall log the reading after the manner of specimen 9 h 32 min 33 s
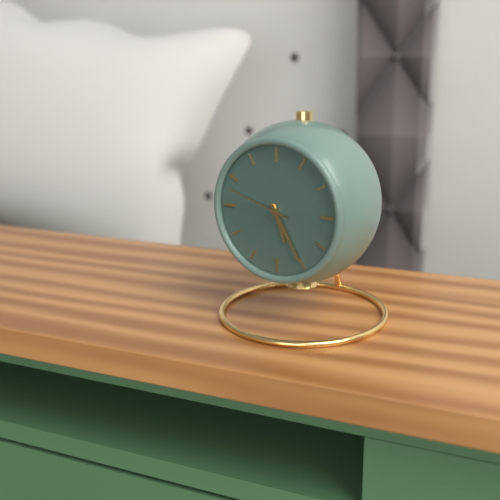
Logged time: 5 h 25 min 48 s
